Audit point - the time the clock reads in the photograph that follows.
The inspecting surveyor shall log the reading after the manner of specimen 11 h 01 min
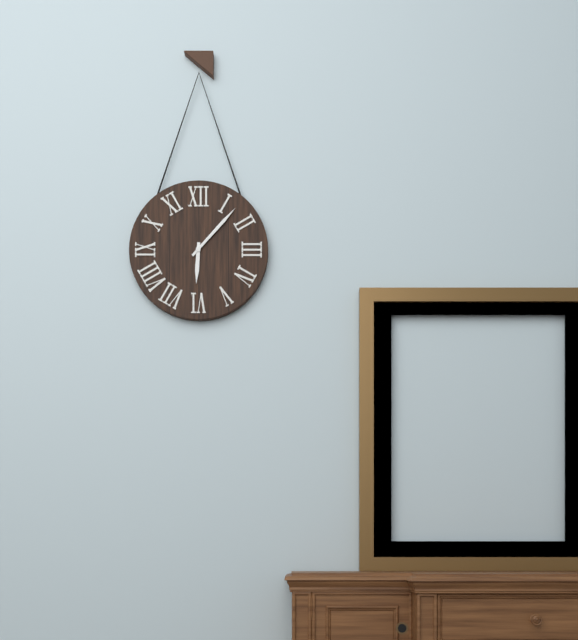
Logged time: 6 h 07 min
